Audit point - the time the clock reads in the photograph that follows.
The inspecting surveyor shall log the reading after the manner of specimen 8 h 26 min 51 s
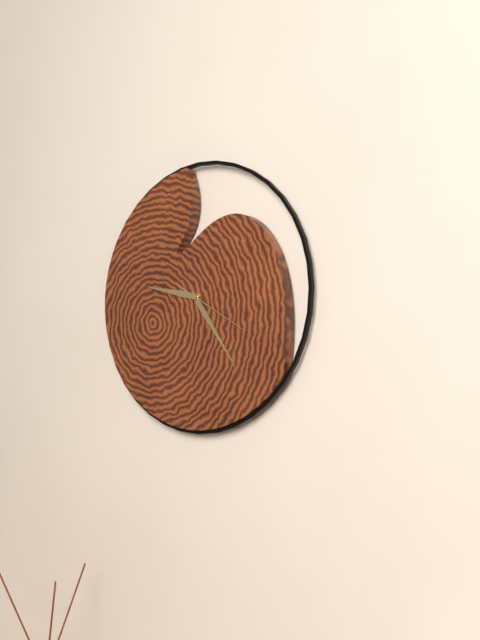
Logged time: 9 h 24 min 20 s
